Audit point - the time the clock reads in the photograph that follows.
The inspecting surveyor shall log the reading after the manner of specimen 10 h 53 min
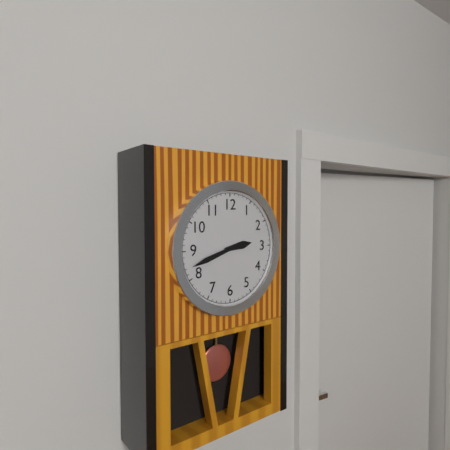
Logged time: 2 h 42 min
